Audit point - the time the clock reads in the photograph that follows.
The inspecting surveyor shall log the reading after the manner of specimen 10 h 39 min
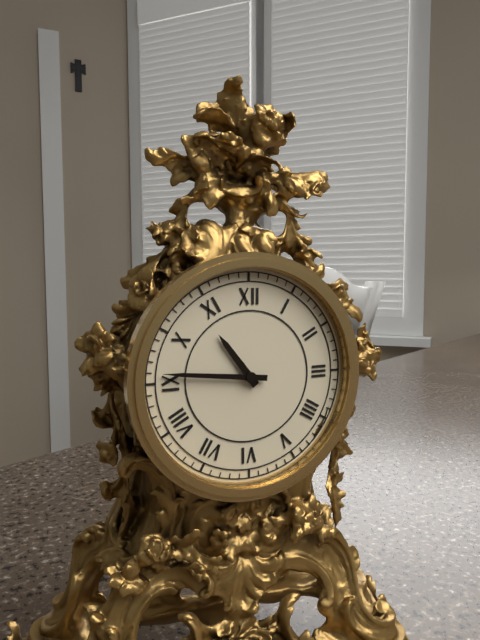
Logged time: 10 h 46 min
